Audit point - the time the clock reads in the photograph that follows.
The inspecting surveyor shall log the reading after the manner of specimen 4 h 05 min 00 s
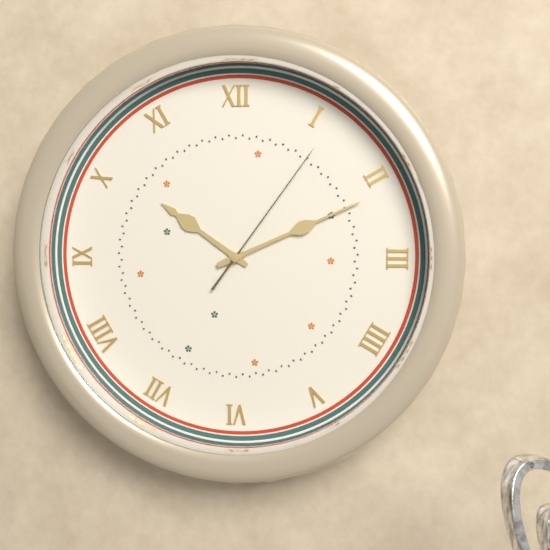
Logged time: 10 h 11 min 06 s
